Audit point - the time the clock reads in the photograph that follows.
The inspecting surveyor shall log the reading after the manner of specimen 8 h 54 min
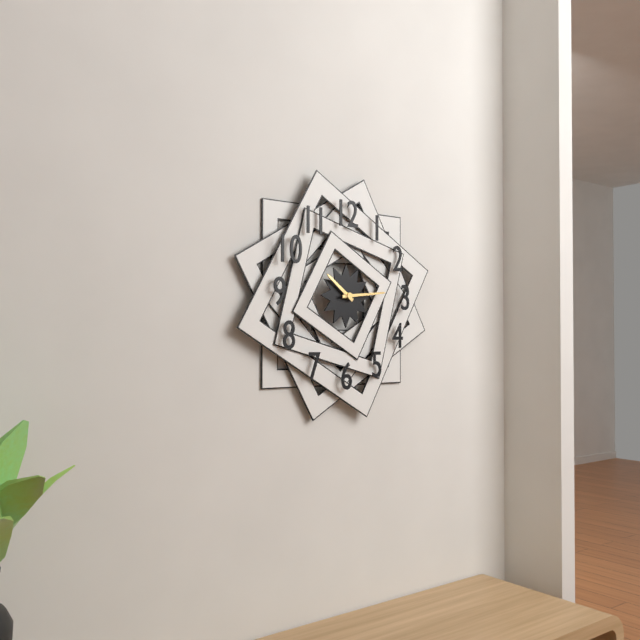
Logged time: 10 h 14 min
